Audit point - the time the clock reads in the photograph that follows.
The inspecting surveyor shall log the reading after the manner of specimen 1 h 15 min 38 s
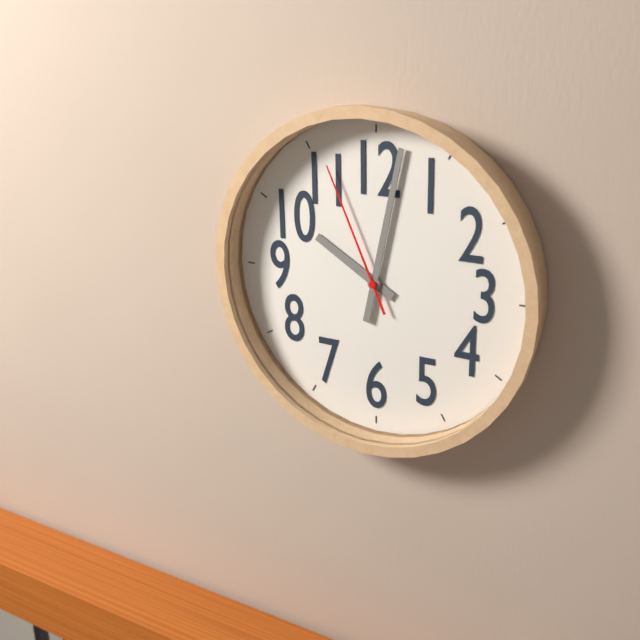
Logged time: 10 h 02 min 56 s
